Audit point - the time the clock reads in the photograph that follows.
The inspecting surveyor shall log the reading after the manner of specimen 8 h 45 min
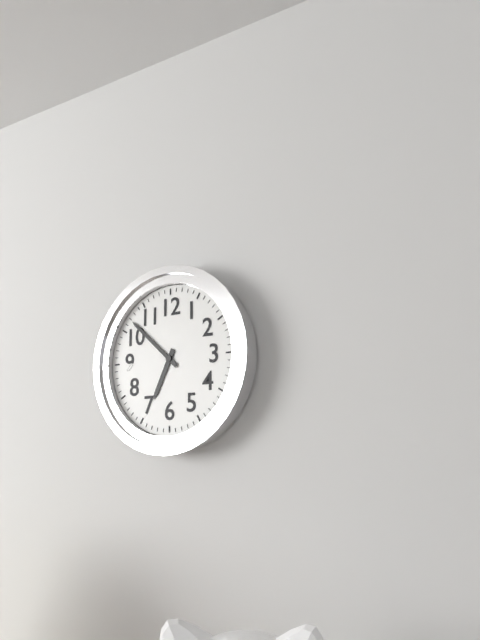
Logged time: 6 h 52 min
